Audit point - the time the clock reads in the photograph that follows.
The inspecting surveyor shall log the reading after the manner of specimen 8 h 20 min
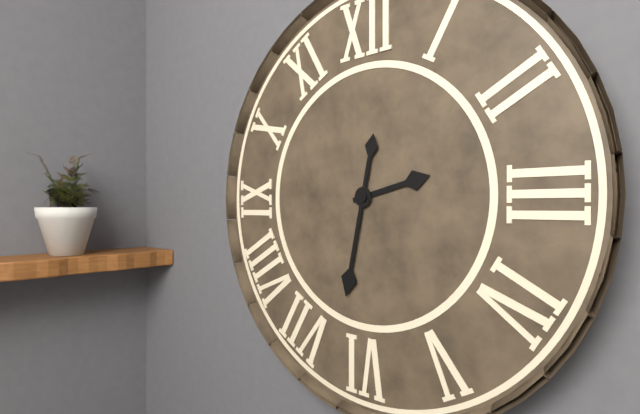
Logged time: 2 h 32 min
